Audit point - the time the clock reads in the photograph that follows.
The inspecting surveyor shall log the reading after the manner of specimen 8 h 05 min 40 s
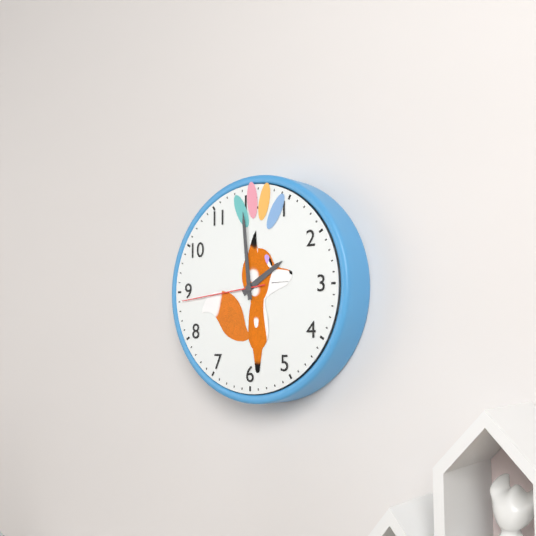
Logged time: 1 h 59 min 44 s
